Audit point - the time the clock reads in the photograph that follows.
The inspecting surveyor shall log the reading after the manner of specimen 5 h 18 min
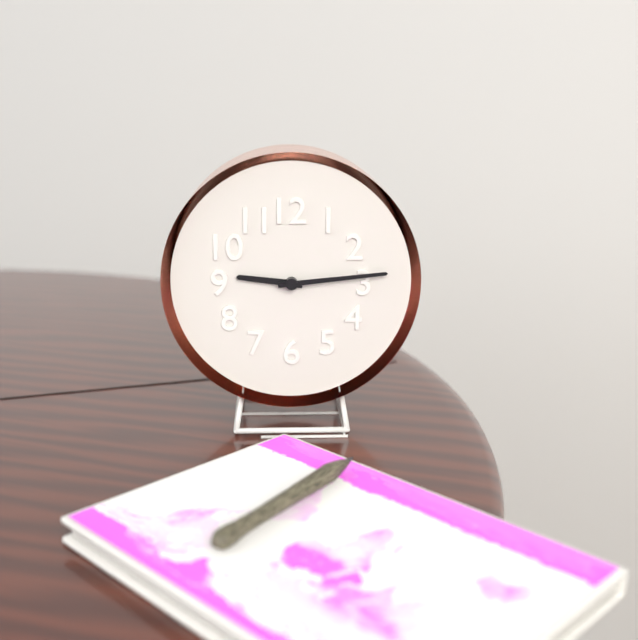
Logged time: 9 h 14 min
